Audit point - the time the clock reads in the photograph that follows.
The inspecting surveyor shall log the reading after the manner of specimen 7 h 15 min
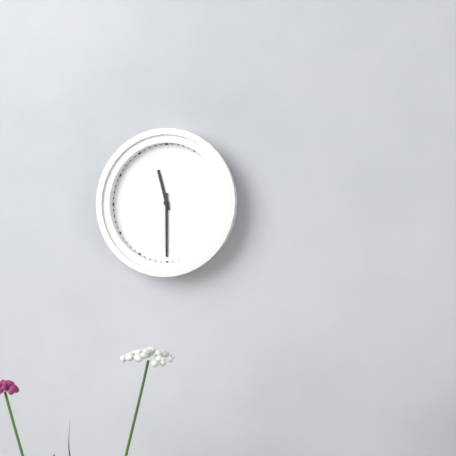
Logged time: 11 h 30 min
